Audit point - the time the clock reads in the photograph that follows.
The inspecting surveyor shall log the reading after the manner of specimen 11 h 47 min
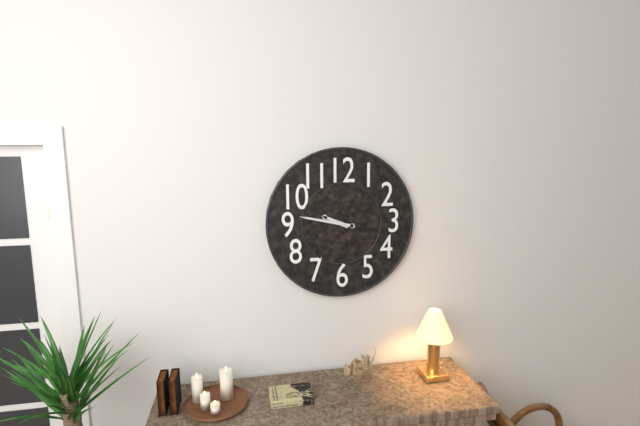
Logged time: 9 h 47 min
